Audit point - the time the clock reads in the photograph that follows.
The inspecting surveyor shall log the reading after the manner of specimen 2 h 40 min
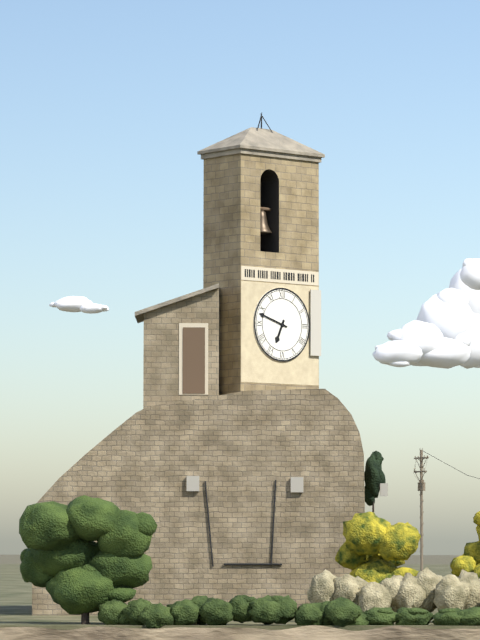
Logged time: 6 h 48 min
